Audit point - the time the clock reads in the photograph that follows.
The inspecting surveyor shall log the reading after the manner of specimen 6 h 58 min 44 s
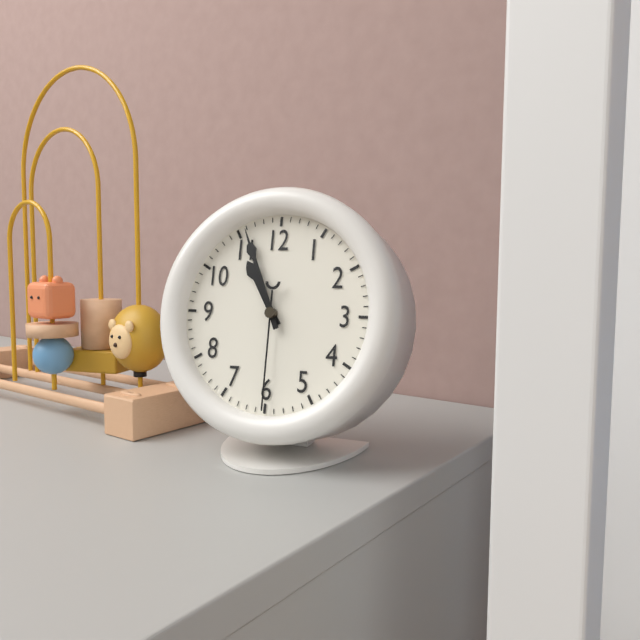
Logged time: 10 h 56 min 30 s
